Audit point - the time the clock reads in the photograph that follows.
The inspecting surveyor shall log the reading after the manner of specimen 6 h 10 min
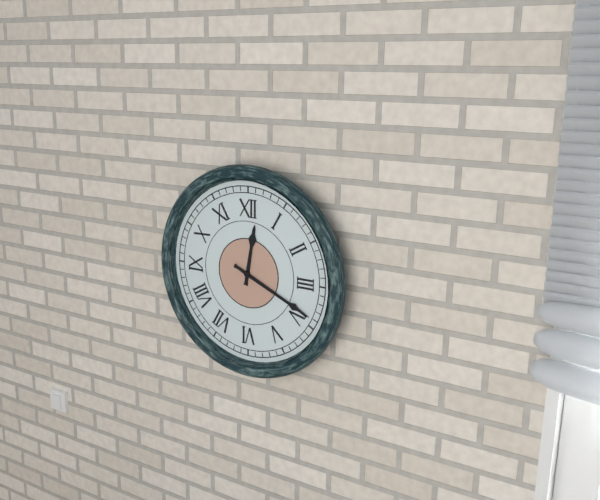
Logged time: 12 h 19 min
